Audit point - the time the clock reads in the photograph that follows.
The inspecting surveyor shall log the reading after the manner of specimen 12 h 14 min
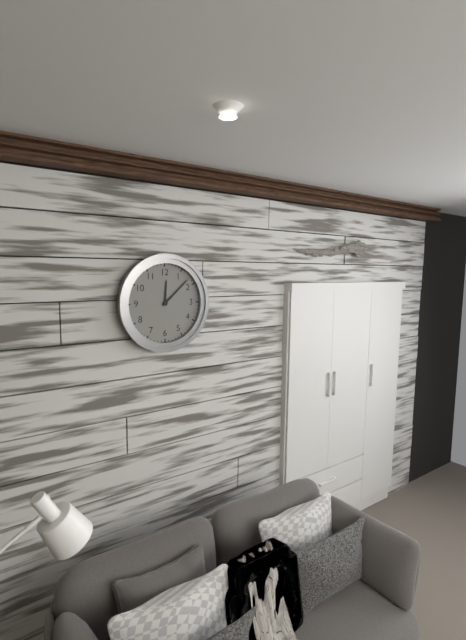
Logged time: 12 h 08 min
